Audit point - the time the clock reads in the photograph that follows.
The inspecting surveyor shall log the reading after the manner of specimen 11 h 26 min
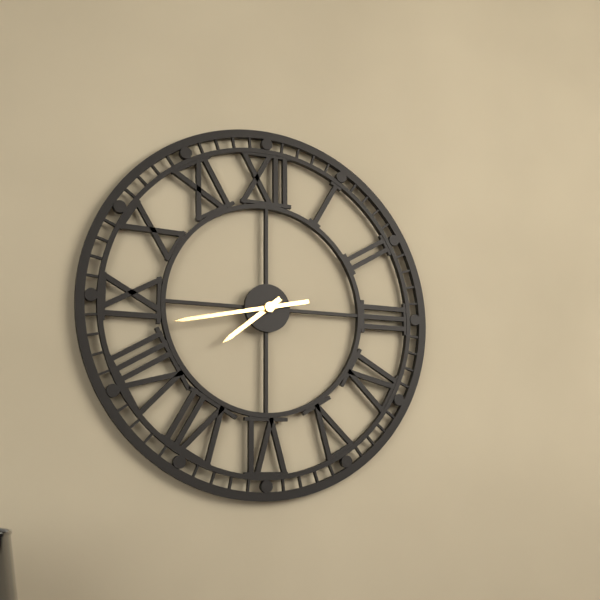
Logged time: 7 h 43 min
